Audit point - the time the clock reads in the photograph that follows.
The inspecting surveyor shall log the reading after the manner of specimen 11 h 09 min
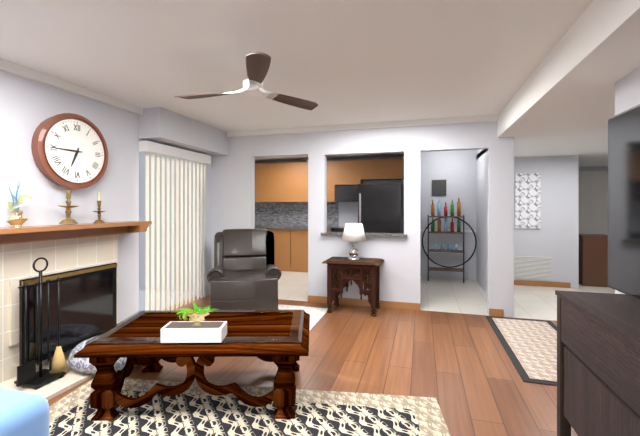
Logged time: 6 h 45 min
